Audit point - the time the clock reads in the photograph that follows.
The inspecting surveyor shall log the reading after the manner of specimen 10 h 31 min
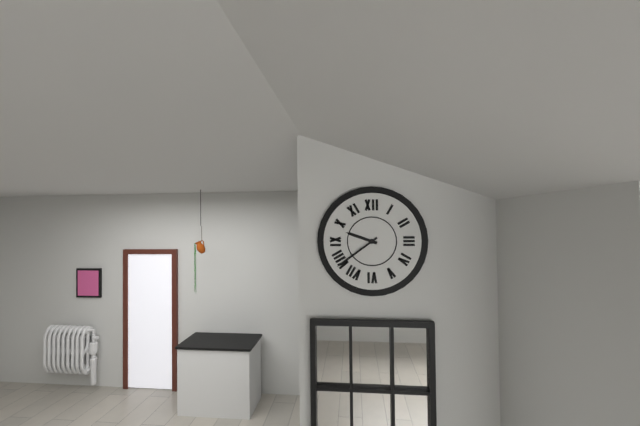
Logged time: 9 h 39 min
